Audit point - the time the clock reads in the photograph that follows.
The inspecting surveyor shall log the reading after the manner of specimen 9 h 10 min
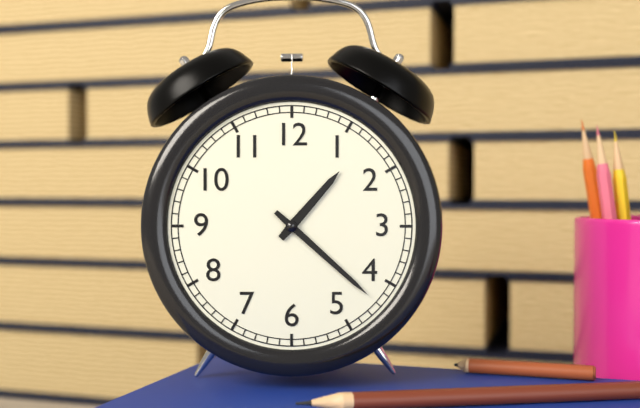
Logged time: 1 h 22 min
